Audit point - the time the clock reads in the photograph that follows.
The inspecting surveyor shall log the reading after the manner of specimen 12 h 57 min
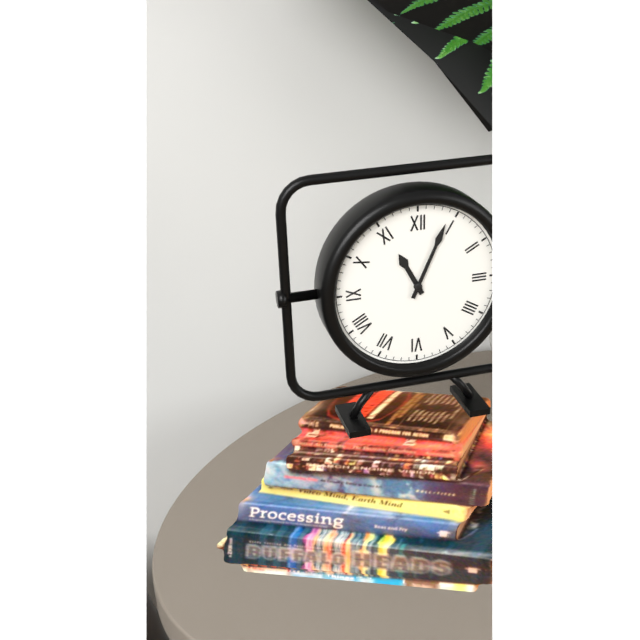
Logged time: 11 h 04 min
